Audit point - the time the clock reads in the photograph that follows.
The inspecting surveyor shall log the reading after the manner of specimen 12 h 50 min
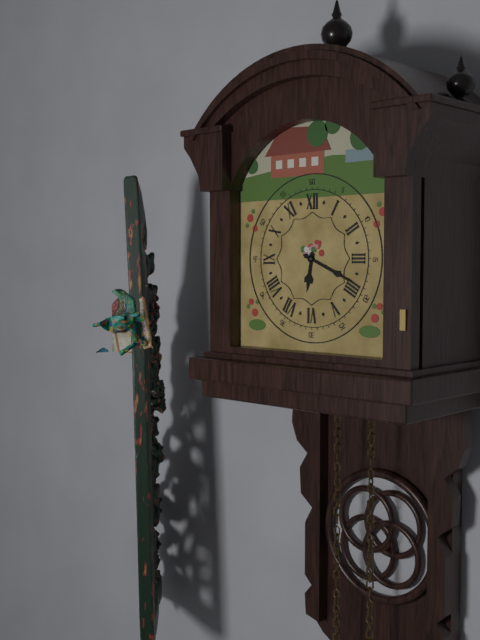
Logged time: 6 h 19 min
